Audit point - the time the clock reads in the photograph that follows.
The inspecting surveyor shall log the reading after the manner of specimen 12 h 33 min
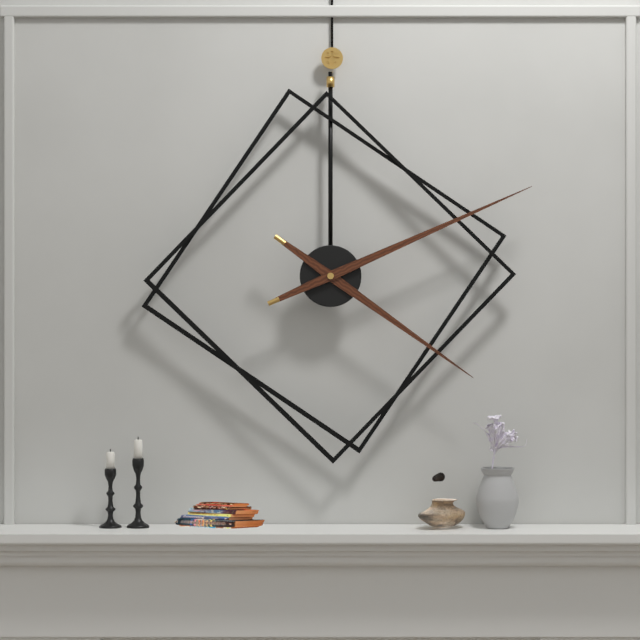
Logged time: 4 h 11 min
